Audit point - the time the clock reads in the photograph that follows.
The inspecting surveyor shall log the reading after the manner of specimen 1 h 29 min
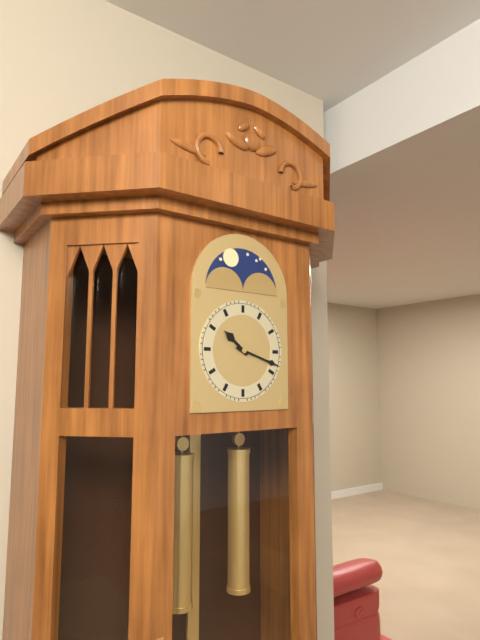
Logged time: 10 h 18 min
